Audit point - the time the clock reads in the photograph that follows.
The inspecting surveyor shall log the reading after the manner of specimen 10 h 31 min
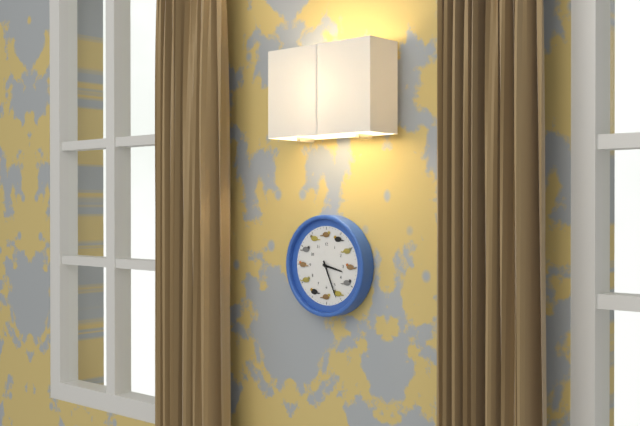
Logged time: 3 h 26 min
